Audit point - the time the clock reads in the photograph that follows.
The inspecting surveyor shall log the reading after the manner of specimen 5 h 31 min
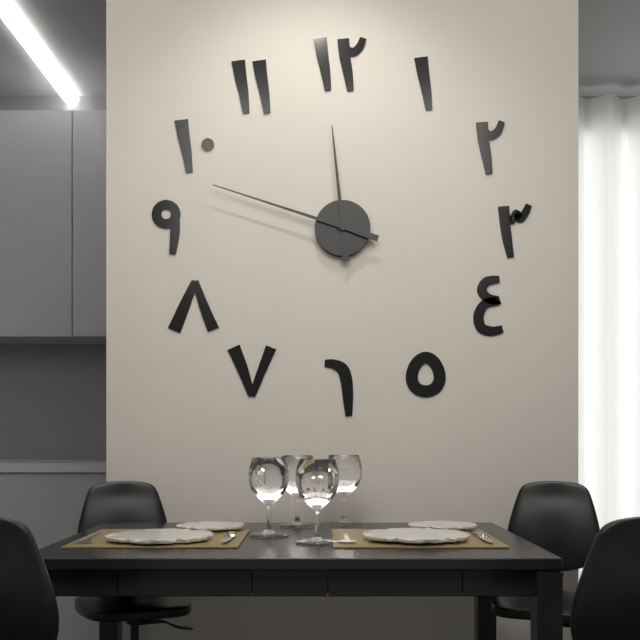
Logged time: 11 h 48 min
